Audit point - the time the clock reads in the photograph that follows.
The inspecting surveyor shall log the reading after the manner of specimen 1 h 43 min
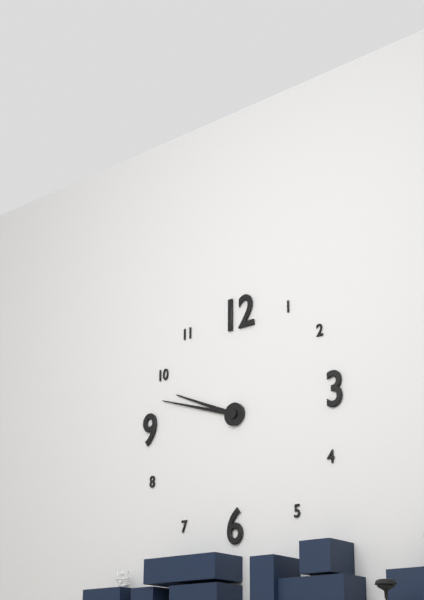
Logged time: 9 h 48 min
